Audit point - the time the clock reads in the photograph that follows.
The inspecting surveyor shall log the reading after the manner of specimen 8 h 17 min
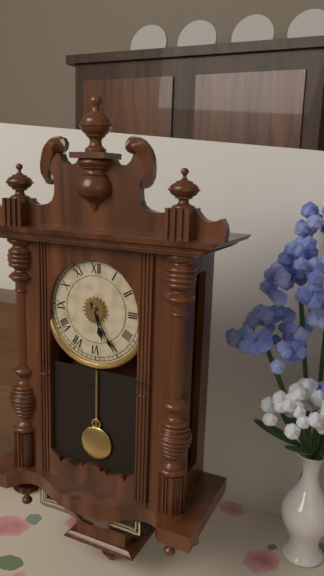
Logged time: 5 h 25 min
